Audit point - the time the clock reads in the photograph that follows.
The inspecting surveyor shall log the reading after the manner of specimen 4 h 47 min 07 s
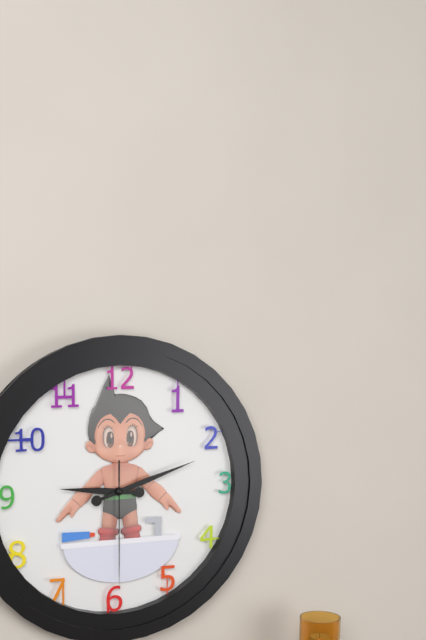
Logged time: 9 h 12 min 30 s
